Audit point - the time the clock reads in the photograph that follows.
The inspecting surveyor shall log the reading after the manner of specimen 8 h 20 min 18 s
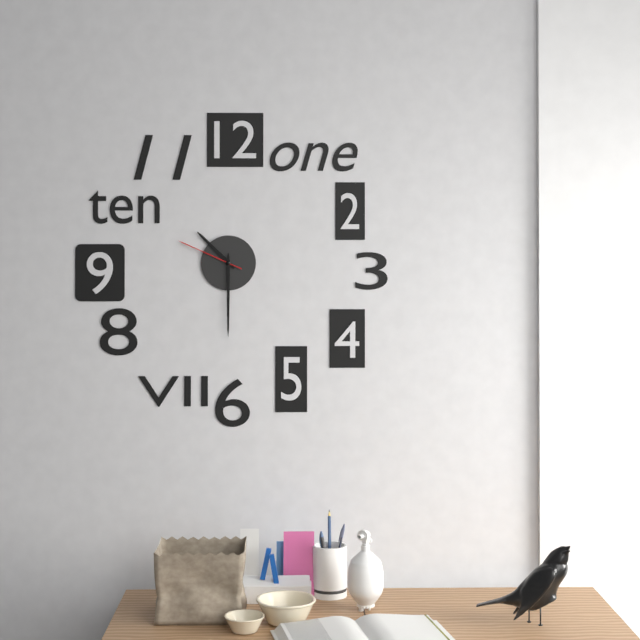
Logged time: 10 h 30 min 49 s
